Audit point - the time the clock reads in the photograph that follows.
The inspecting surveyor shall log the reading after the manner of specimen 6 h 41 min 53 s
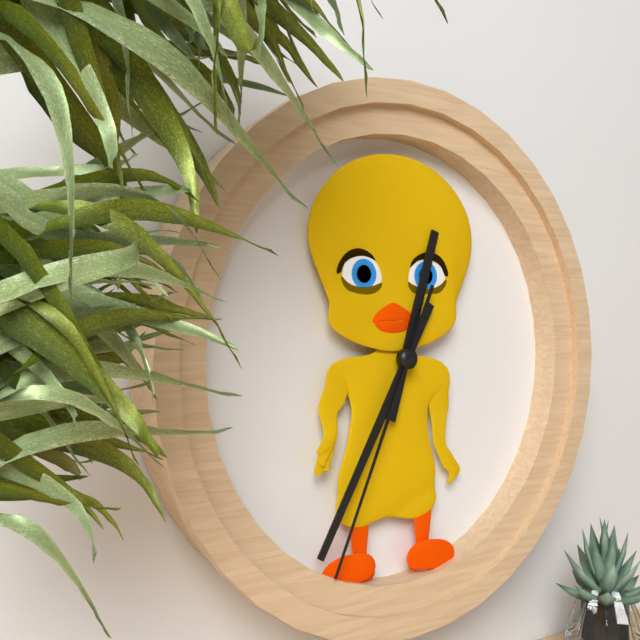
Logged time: 12 h 35 min 34 s
